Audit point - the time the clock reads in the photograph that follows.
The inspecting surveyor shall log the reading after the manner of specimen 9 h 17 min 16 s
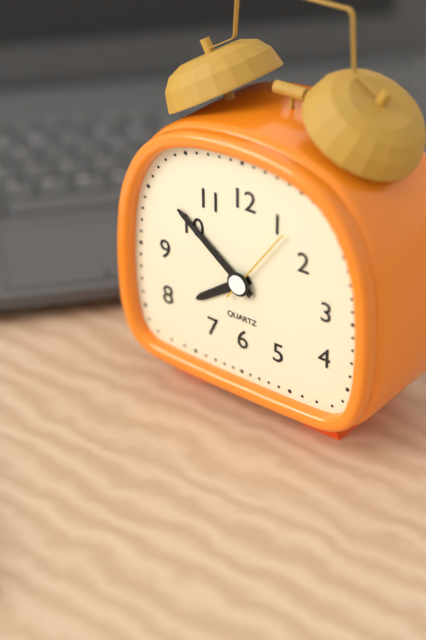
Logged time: 7 h 51 min 06 s
